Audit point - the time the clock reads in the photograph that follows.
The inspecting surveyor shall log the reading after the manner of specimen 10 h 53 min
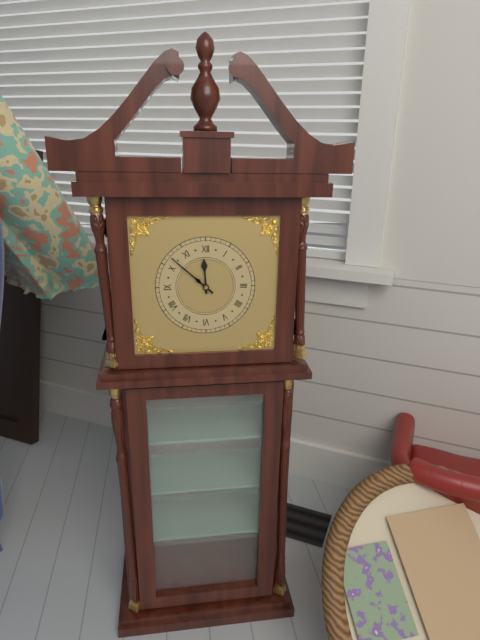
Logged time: 11 h 52 min
